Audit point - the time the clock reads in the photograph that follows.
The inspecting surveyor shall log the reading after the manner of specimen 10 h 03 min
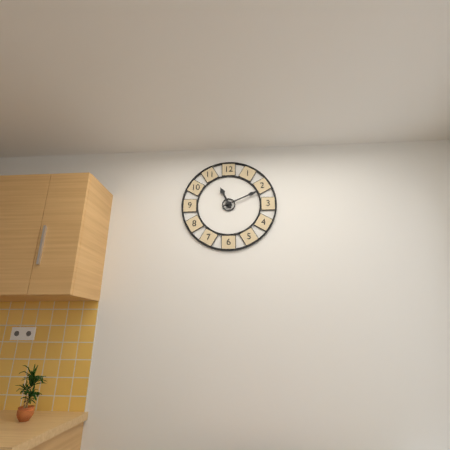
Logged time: 11 h 11 min
